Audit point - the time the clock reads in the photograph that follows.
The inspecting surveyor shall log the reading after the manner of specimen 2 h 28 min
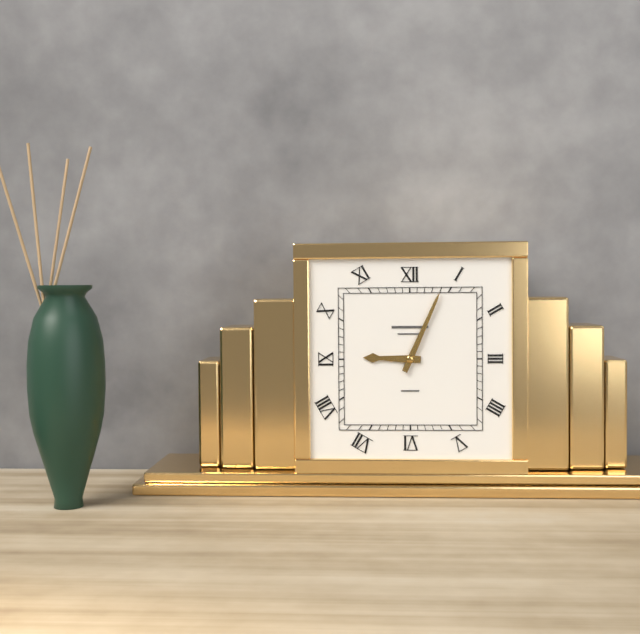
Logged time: 9 h 04 min
